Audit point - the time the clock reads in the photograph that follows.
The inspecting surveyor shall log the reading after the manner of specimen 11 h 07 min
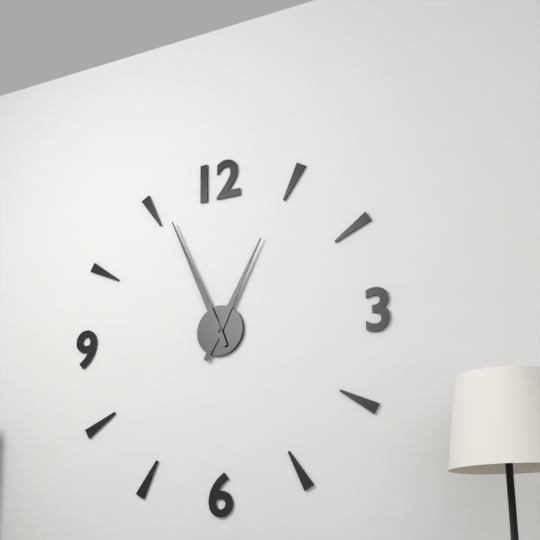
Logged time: 12 h 56 min
